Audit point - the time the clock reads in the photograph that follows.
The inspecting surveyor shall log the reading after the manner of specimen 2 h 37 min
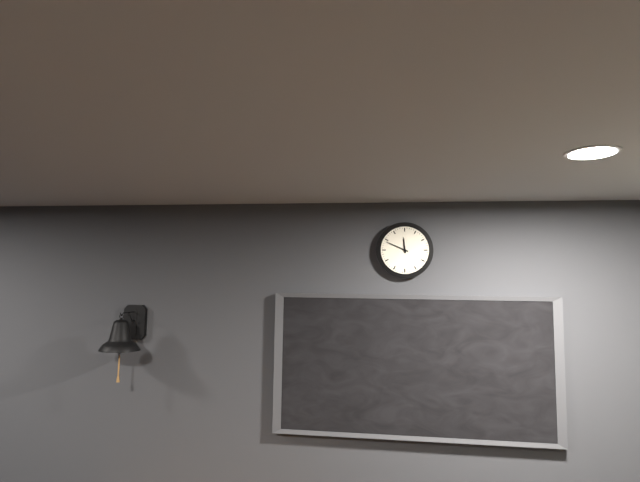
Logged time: 11 h 49 min
